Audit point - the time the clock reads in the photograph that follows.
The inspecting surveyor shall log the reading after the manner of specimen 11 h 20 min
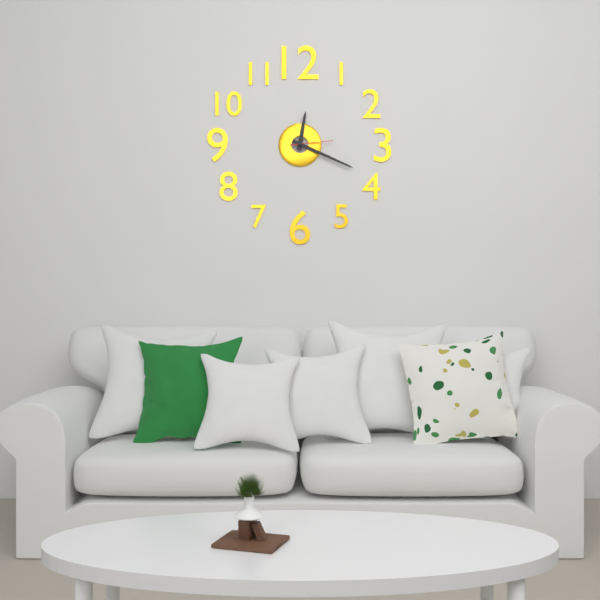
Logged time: 12 h 19 min
